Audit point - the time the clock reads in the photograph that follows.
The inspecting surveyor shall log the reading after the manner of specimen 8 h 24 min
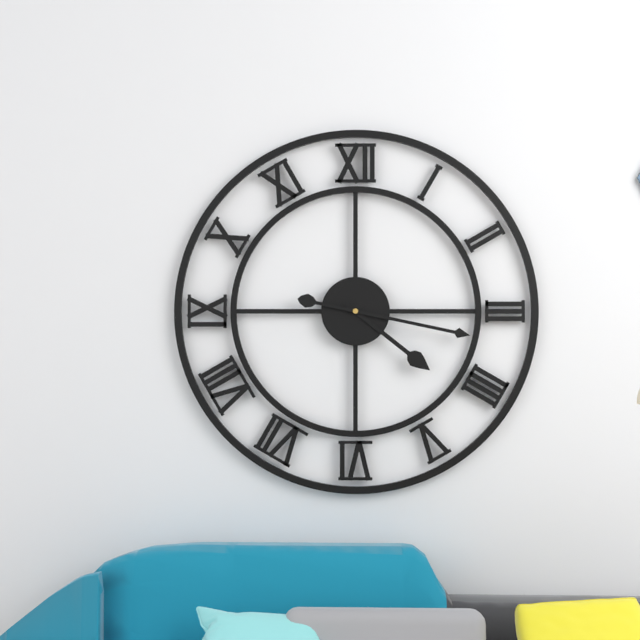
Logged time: 4 h 17 min
